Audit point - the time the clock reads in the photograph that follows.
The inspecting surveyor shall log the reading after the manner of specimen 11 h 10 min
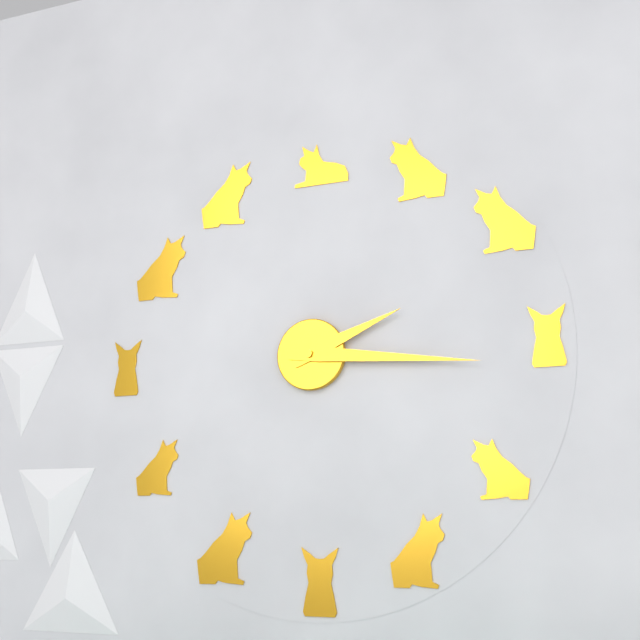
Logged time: 2 h 16 min
